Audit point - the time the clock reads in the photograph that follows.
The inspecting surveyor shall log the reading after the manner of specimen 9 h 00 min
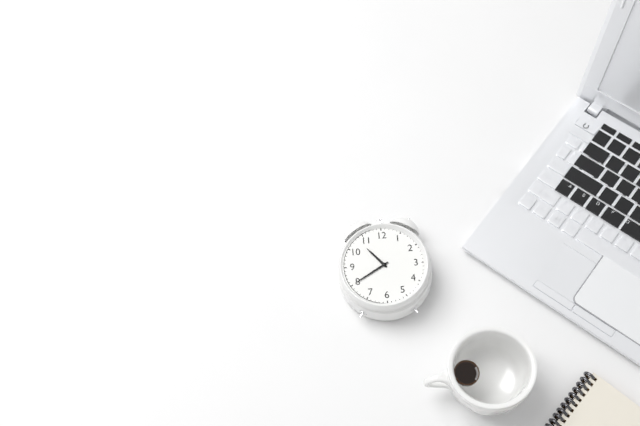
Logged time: 10 h 40 min
